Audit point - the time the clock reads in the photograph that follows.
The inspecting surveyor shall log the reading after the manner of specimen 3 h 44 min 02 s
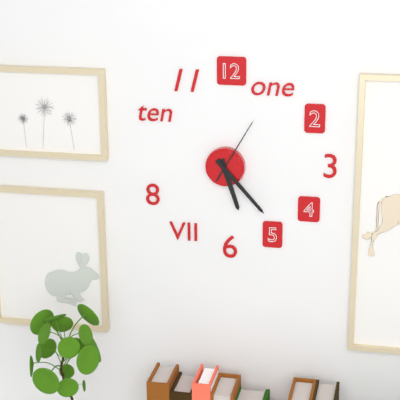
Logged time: 5 h 23 min 05 s
